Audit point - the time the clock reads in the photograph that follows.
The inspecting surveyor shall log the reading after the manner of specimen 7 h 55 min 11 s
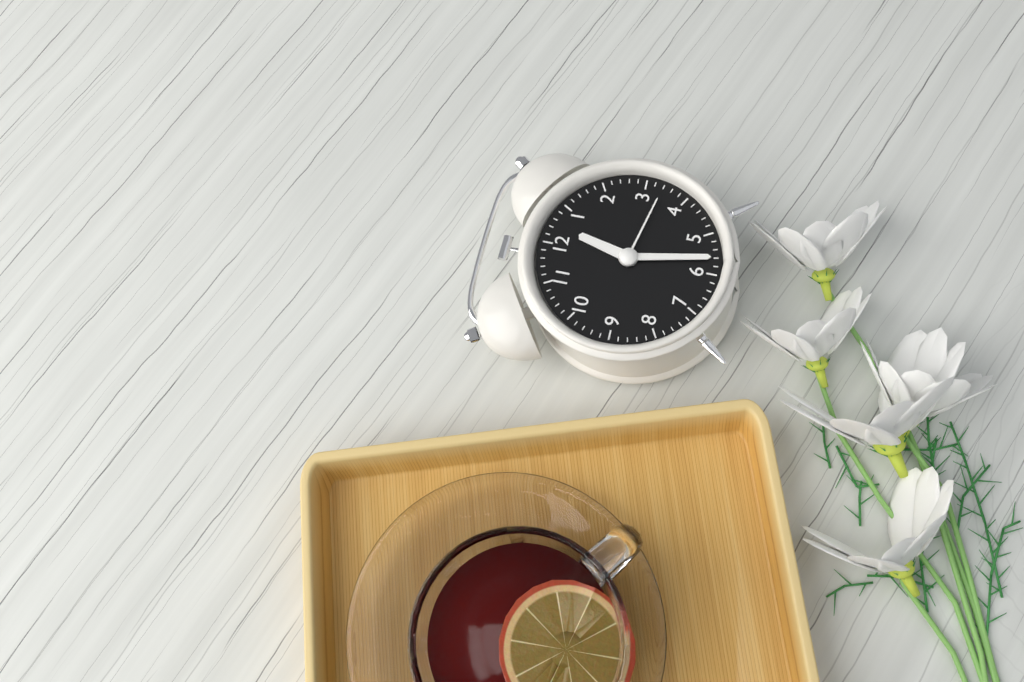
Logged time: 12 h 28 min 17 s
